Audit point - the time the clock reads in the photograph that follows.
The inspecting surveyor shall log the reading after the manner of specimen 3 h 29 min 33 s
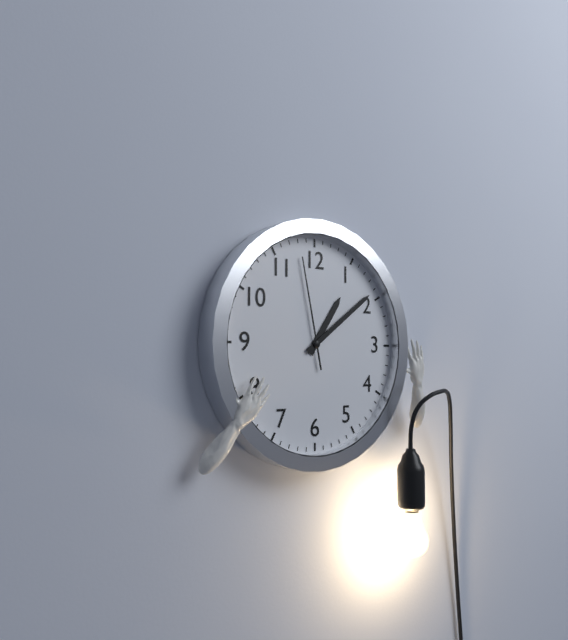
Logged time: 1 h 09 min 58 s
